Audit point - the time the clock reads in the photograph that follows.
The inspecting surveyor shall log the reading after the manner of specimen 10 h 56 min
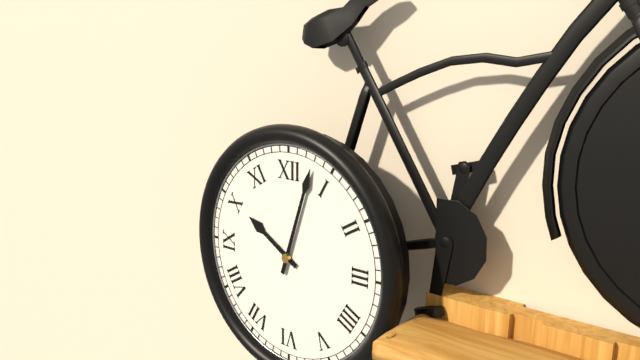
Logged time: 10 h 03 min
